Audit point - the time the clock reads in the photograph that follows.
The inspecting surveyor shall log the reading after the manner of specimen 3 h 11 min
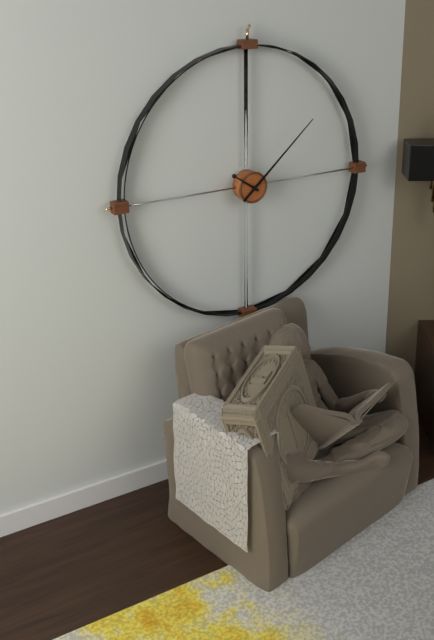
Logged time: 10 h 08 min
